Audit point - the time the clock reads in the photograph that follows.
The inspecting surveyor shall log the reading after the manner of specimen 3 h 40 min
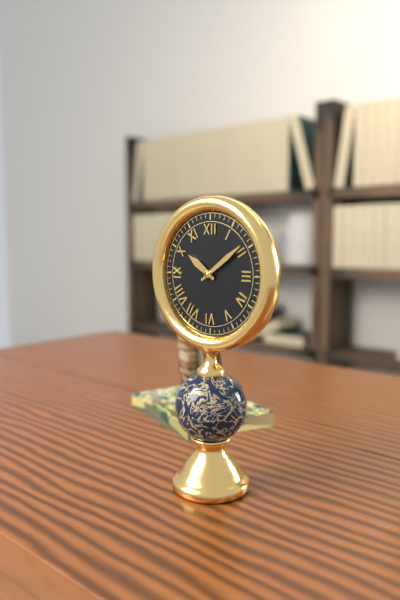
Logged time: 10 h 09 min
